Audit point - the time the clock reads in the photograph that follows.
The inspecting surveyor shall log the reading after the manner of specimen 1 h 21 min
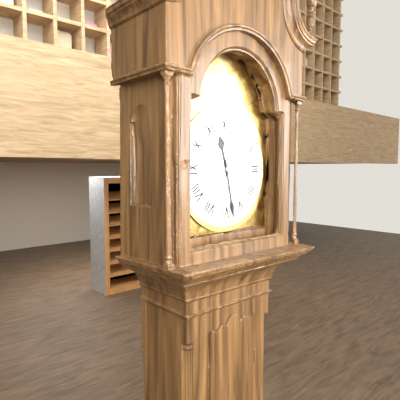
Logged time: 11 h 28 min
